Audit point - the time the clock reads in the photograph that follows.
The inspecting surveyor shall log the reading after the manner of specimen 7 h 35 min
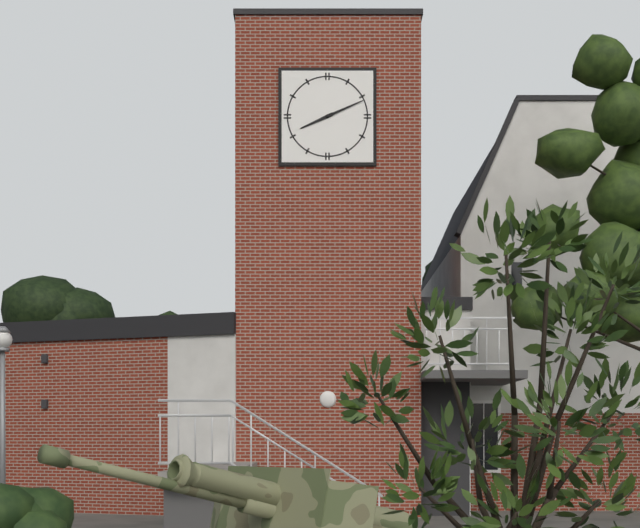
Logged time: 8 h 11 min
